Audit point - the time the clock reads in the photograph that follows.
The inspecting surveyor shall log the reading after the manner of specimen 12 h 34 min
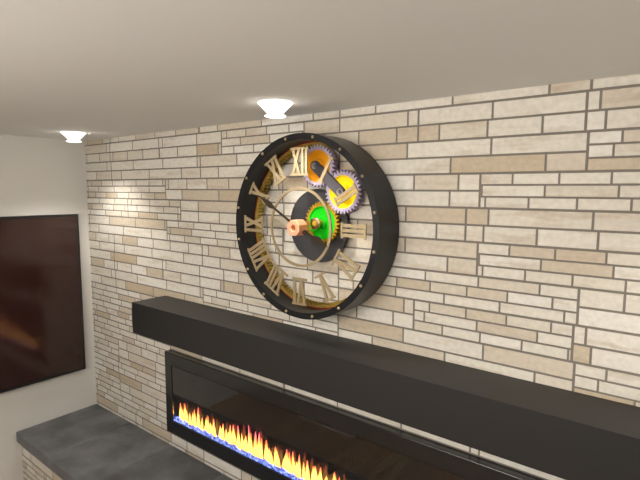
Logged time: 3 h 50 min
